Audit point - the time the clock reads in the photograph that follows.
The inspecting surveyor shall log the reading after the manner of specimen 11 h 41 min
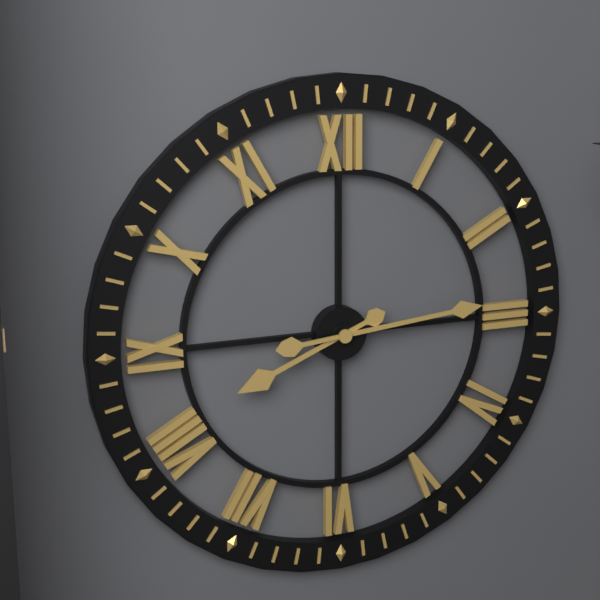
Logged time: 8 h 14 min
